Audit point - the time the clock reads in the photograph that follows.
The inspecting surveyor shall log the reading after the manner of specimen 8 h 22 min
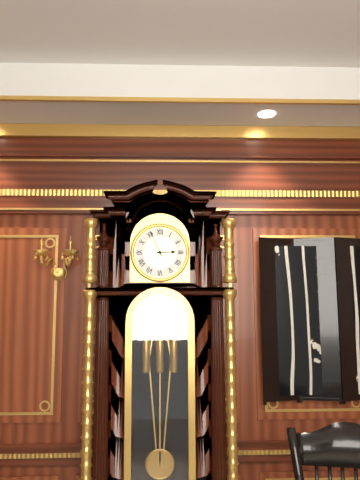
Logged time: 2 h 56 min
